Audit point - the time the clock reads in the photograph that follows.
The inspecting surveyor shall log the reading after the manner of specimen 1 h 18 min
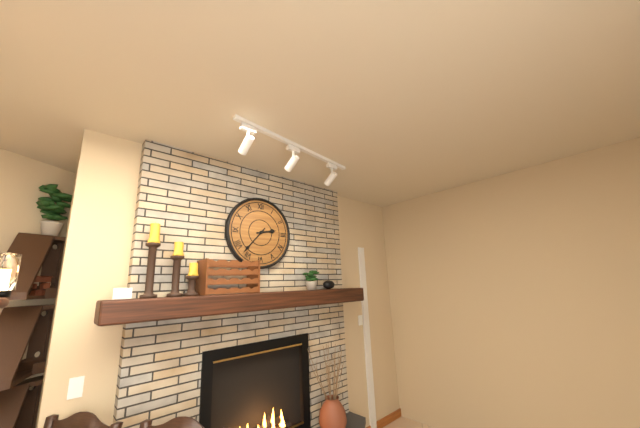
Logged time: 2 h 37 min
